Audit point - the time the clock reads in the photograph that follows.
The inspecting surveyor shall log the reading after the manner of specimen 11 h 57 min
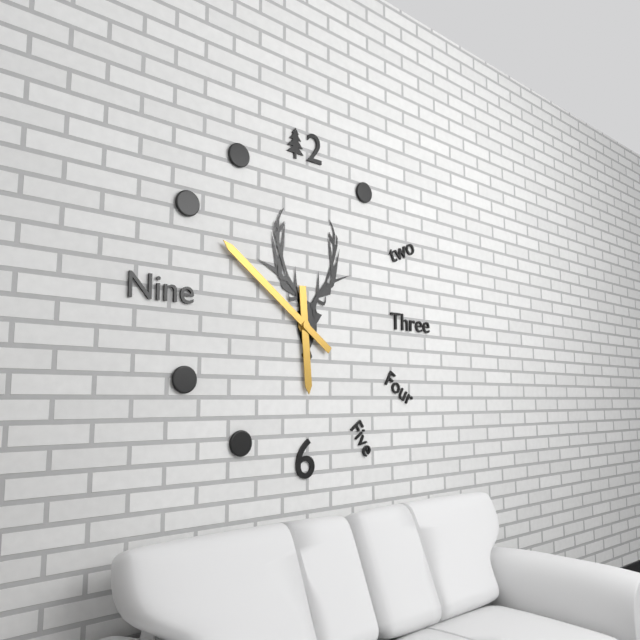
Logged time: 5 h 51 min
